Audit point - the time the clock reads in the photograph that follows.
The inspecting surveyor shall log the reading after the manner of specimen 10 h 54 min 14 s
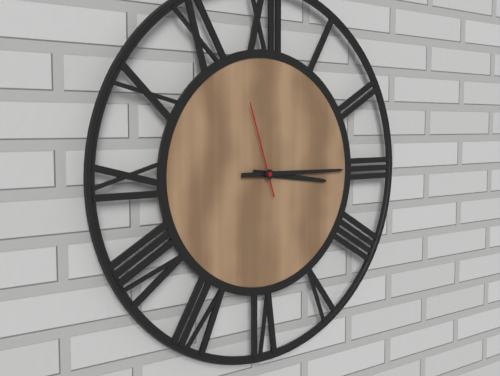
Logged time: 3 h 15 min 57 s
